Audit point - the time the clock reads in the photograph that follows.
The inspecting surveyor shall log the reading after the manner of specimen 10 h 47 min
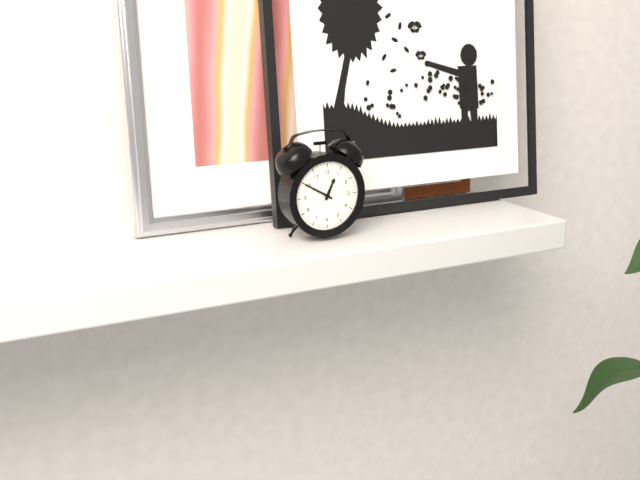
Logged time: 12 h 50 min
